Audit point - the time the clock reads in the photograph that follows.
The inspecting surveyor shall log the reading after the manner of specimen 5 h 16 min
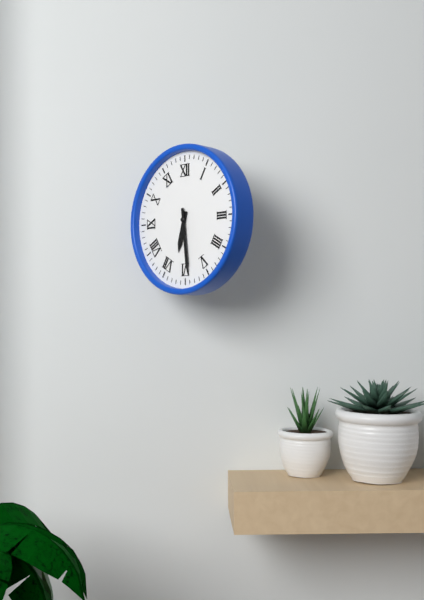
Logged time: 6 h 29 min
